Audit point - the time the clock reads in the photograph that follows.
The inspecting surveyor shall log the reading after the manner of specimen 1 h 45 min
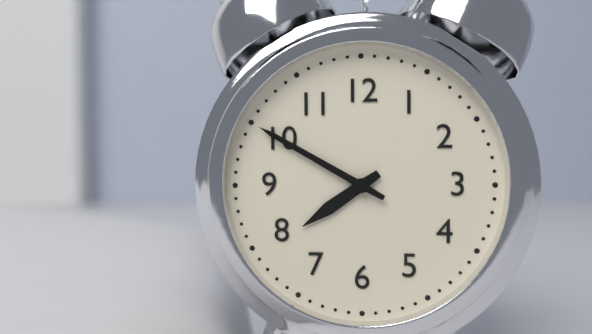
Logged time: 7 h 50 min
